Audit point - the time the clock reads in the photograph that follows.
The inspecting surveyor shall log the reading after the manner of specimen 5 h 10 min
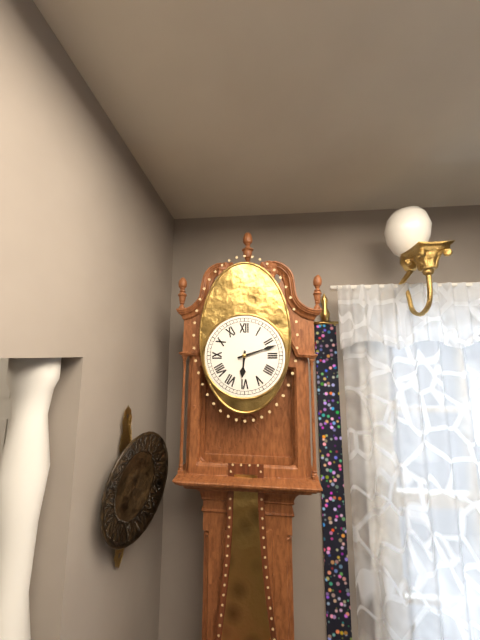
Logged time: 6 h 12 min
